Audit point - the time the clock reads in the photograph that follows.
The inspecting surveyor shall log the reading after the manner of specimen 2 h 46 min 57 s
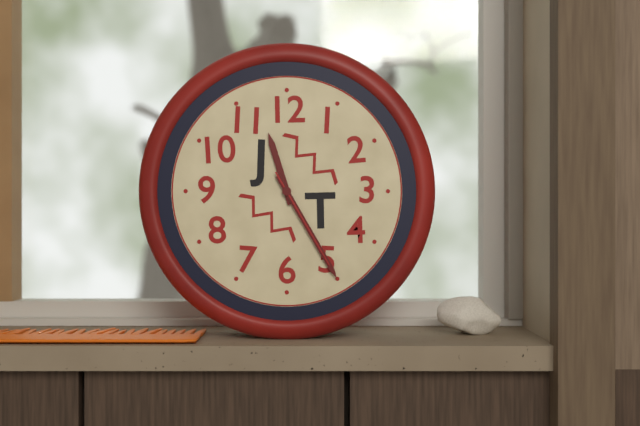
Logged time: 11 h 25 min 25 s
